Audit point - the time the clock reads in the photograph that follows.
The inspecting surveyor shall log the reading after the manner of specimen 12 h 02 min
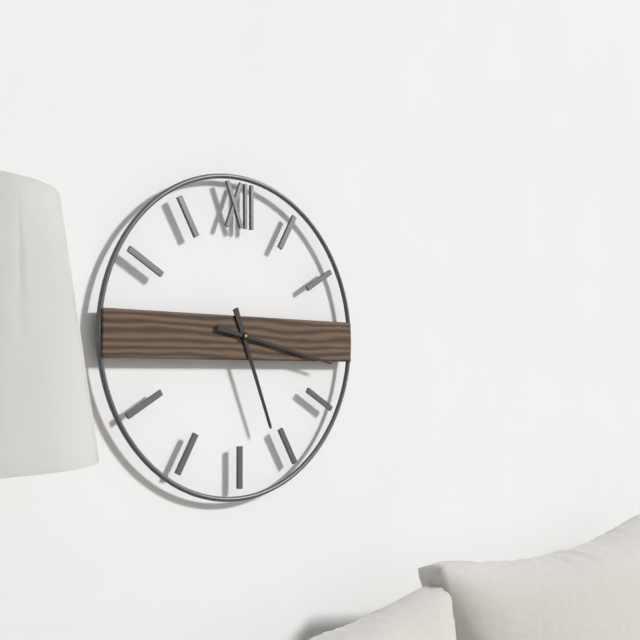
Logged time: 5 h 17 min
